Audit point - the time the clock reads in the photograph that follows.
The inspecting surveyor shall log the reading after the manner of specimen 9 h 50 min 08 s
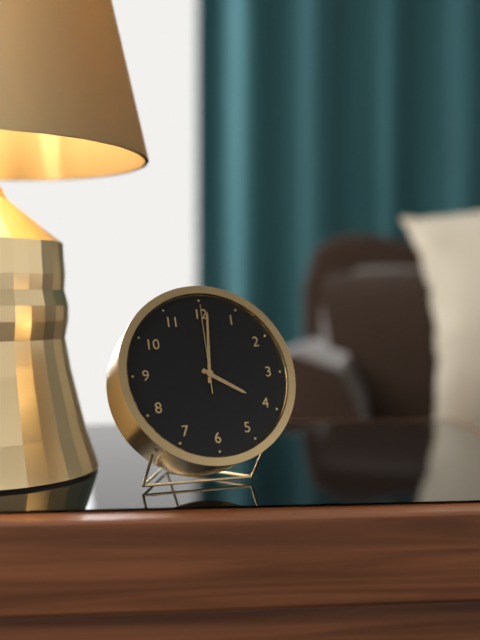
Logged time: 4 h 01 min 00 s
